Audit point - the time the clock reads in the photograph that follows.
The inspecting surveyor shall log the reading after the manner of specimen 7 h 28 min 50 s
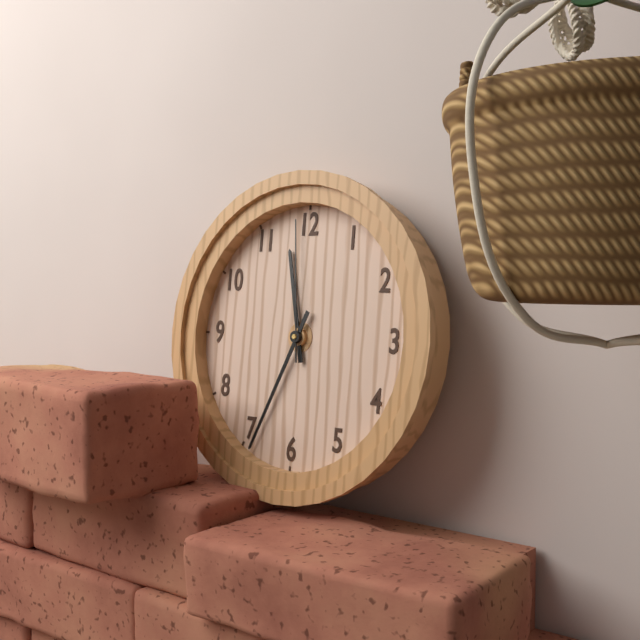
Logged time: 11 h 34 min 59 s
